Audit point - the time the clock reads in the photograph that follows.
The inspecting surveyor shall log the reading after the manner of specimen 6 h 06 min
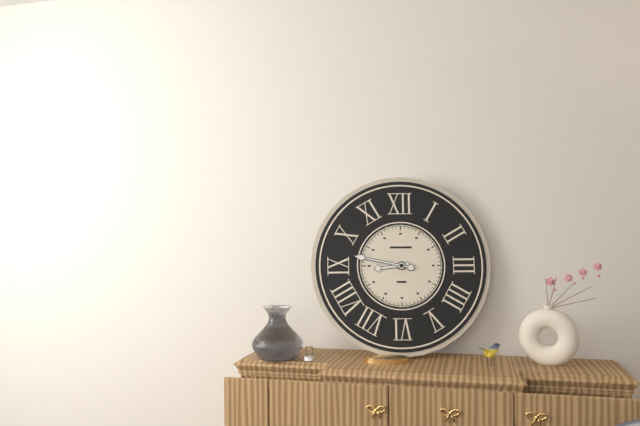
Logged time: 8 h 47 min
